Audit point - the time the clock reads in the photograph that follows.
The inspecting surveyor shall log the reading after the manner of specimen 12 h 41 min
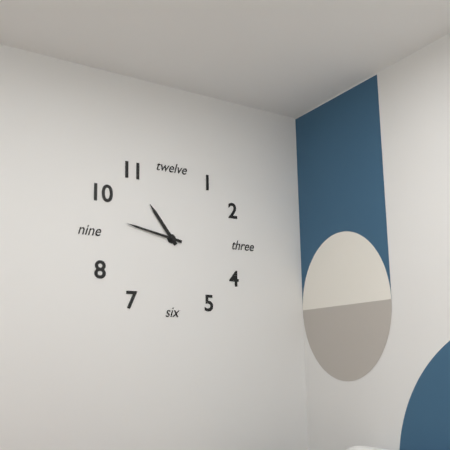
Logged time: 10 h 47 min
